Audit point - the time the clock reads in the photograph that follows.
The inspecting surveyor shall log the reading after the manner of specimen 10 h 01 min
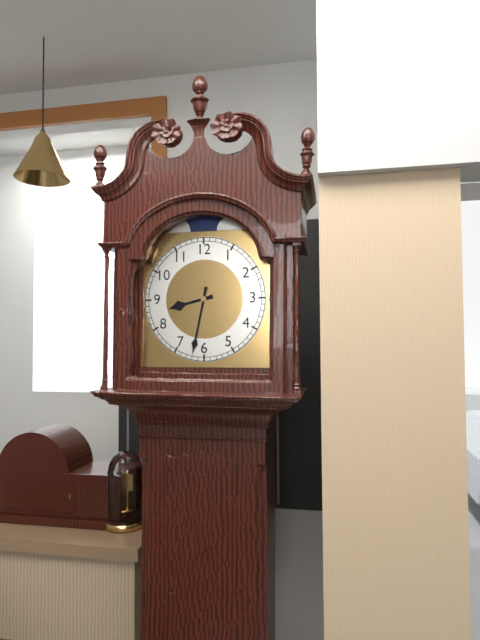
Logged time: 8 h 32 min
